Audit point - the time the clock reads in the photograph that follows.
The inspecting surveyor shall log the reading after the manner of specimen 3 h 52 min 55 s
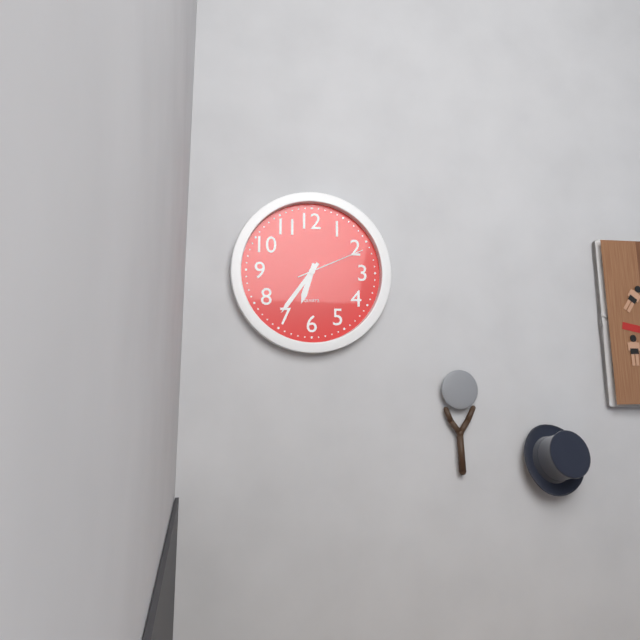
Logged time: 6 h 36 min 11 s
